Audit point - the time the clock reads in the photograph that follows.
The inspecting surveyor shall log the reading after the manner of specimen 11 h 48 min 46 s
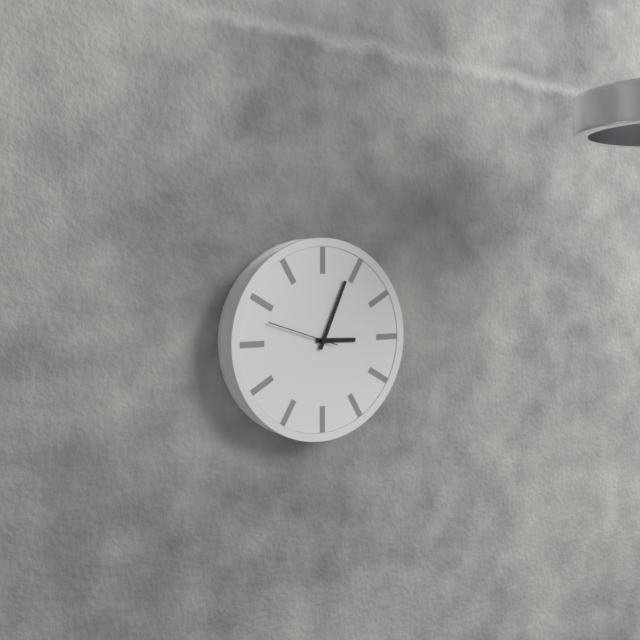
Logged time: 3 h 04 min 48 s
